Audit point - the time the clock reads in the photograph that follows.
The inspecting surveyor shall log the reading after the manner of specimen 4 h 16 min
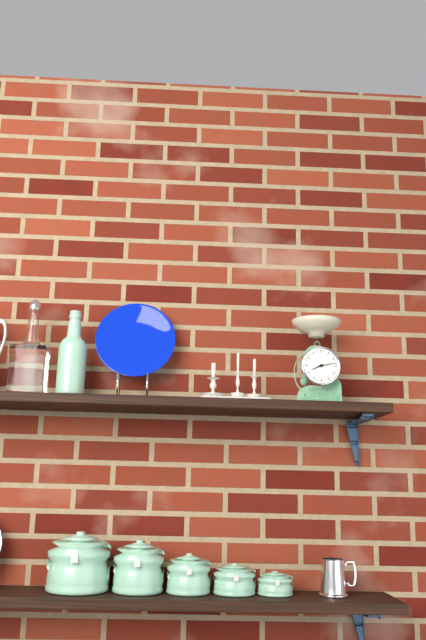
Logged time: 8 h 13 min
